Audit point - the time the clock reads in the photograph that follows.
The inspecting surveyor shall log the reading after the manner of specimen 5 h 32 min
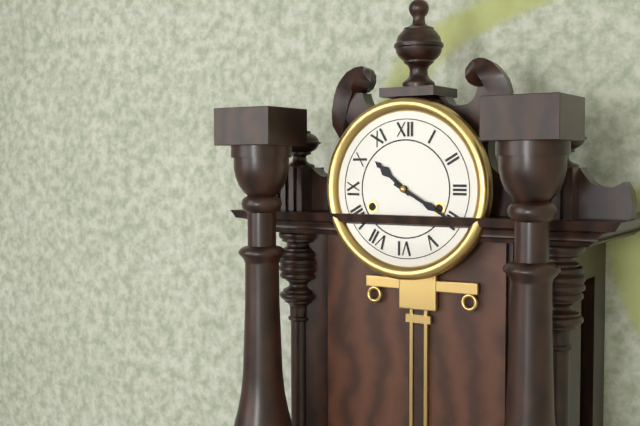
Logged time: 10 h 20 min
